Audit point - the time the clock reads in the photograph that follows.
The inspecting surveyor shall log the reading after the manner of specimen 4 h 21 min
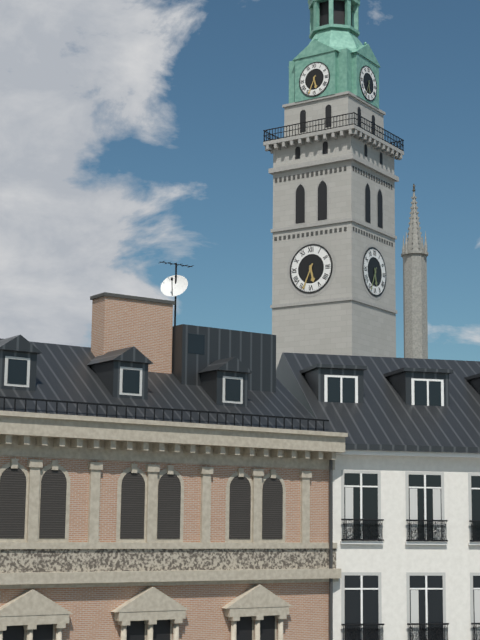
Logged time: 5 h 34 min
